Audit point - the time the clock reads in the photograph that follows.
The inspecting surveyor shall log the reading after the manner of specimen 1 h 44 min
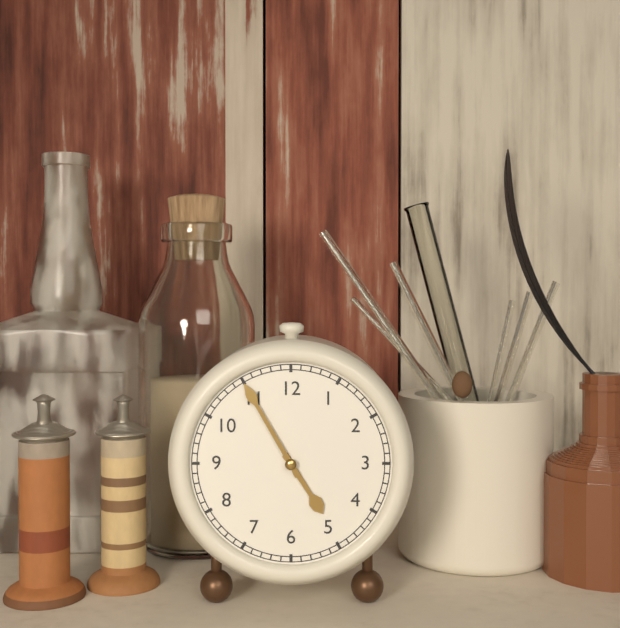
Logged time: 4 h 55 min
